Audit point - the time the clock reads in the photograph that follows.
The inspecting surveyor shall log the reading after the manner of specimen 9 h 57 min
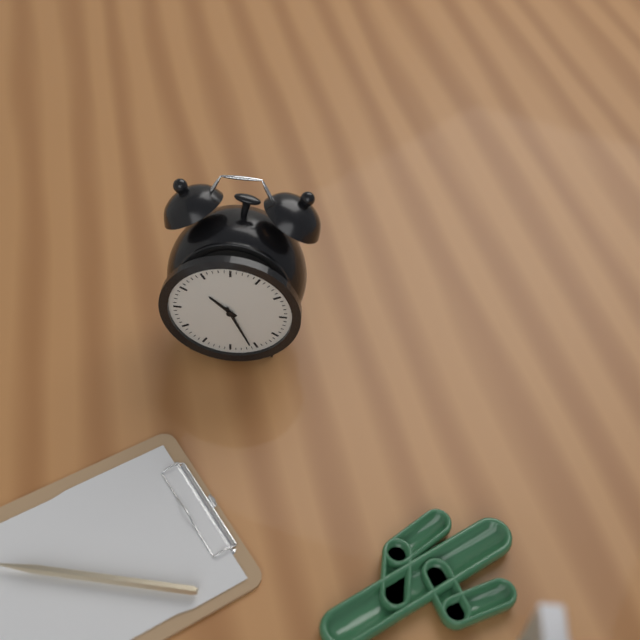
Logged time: 10 h 26 min
